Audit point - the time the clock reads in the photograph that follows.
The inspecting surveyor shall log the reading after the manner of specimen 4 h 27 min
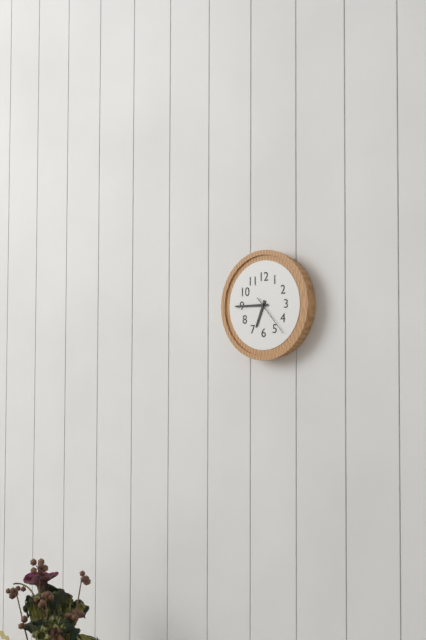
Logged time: 6 h 45 min
